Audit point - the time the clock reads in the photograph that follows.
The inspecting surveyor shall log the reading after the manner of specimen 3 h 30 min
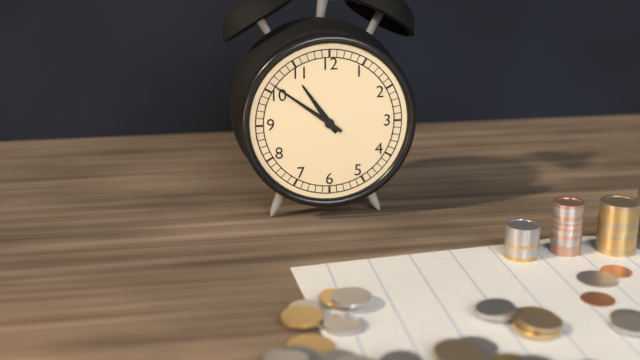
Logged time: 10 h 51 min
